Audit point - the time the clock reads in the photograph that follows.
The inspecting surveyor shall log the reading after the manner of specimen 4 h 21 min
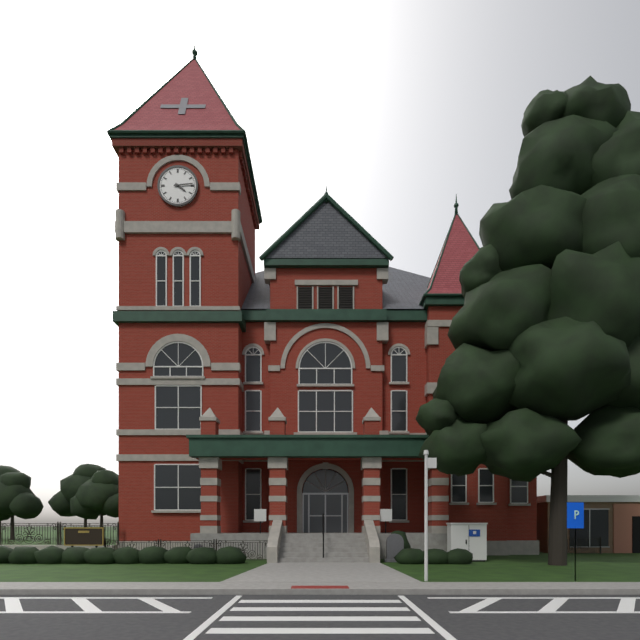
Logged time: 4 h 14 min
